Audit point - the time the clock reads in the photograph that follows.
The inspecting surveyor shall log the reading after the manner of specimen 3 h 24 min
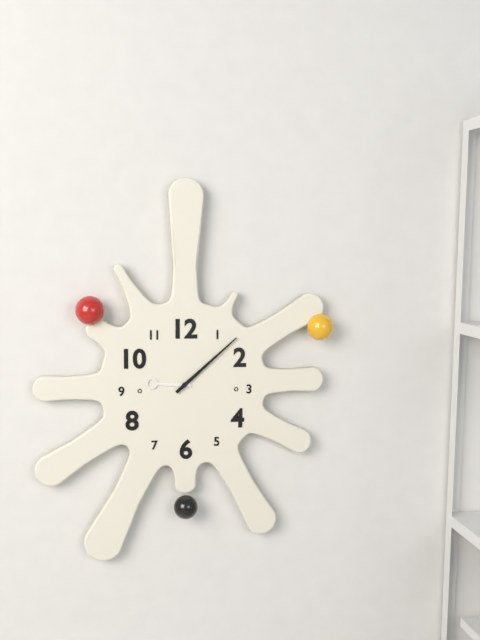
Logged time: 9 h 08 min
